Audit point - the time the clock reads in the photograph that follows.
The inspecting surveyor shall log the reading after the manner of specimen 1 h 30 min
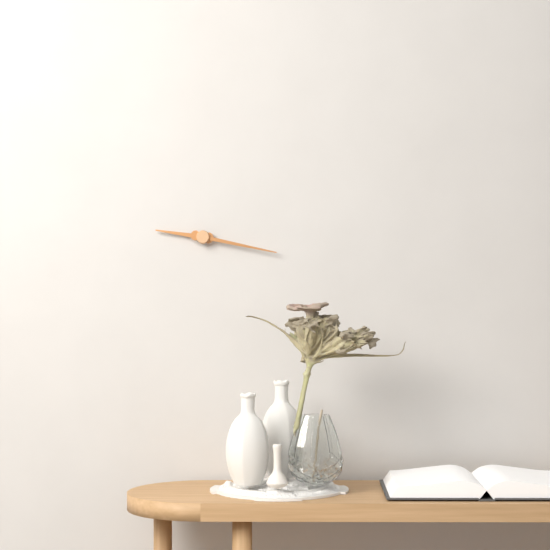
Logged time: 9 h 17 min
